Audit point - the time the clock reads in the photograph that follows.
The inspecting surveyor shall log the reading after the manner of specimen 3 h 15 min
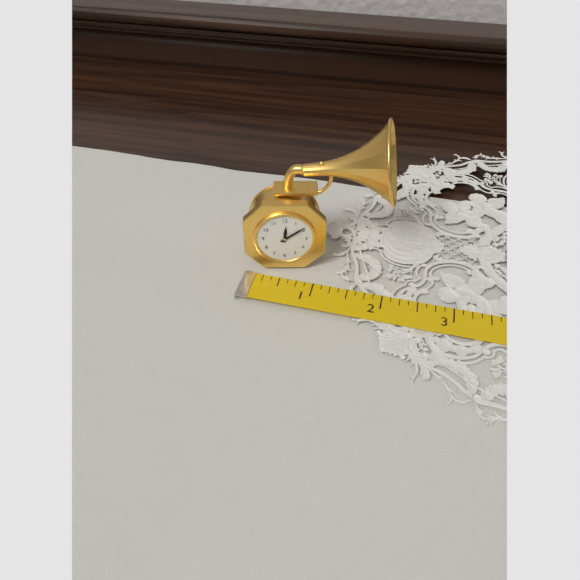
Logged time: 12 h 09 min
